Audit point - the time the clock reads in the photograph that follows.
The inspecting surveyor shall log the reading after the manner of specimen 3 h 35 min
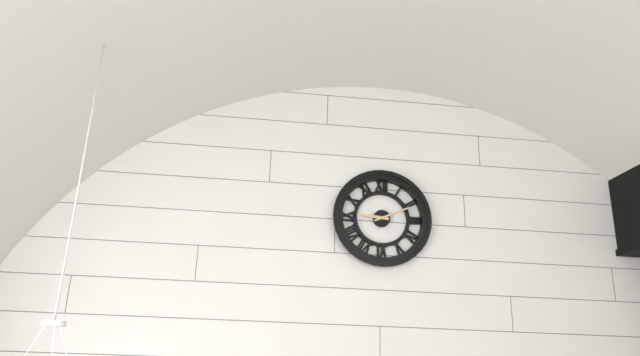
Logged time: 9 h 11 min
